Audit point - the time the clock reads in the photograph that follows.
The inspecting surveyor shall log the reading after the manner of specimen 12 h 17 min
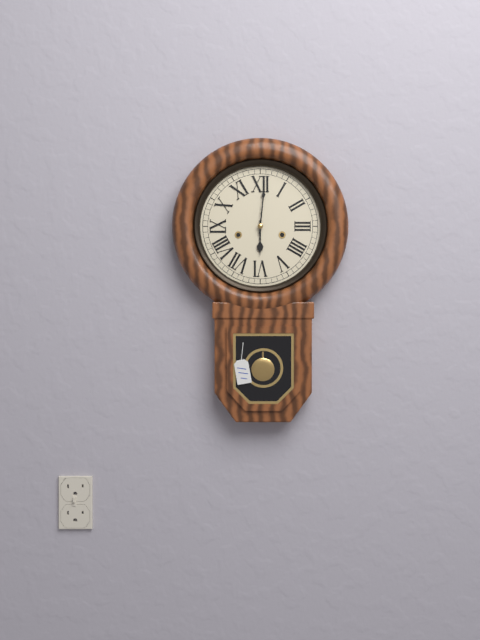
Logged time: 6 h 01 min
